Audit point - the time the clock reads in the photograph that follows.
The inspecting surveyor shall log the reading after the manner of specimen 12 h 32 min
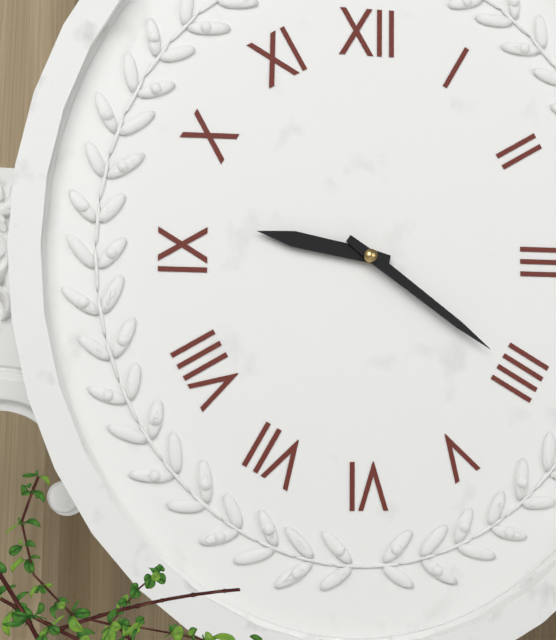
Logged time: 9 h 21 min
